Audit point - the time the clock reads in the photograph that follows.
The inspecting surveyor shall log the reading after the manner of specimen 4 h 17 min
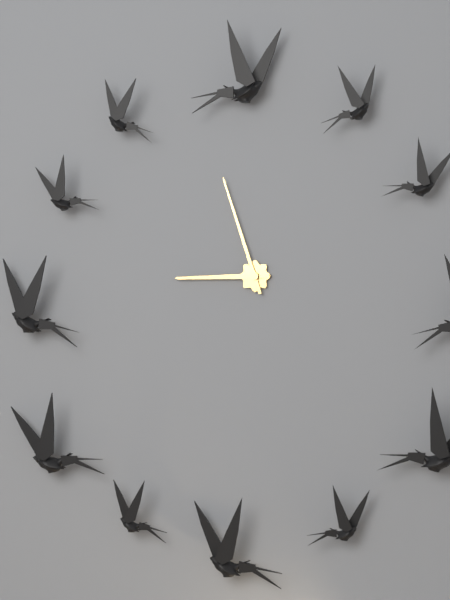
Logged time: 8 h 57 min
